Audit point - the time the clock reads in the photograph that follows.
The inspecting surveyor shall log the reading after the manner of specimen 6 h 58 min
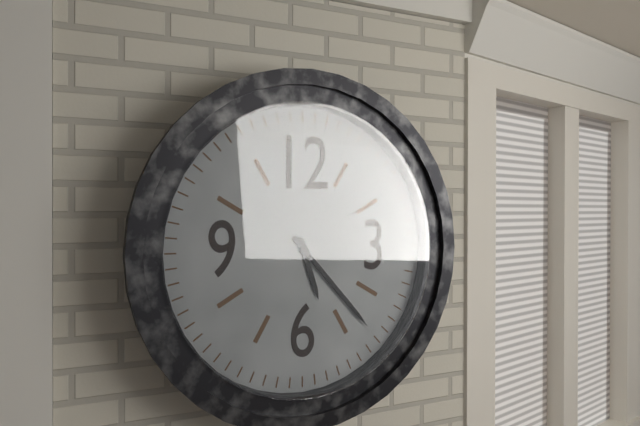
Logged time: 5 h 23 min
